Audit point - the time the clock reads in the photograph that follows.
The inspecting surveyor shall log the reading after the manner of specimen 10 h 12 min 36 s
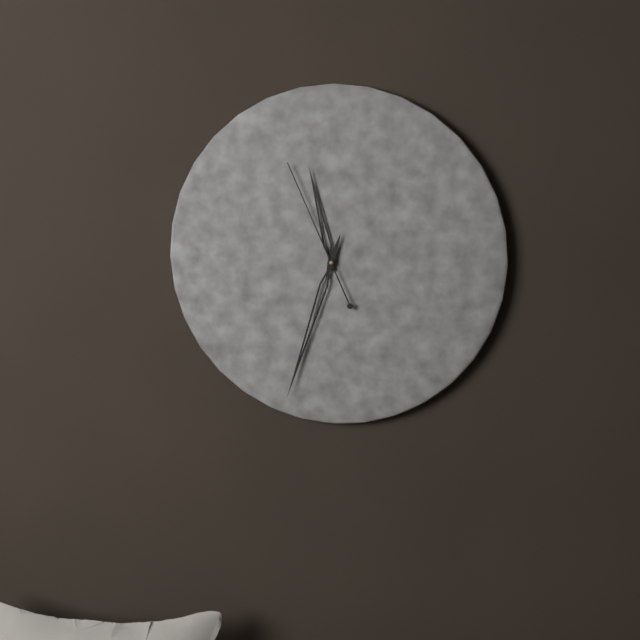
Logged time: 11 h 33 min 56 s
